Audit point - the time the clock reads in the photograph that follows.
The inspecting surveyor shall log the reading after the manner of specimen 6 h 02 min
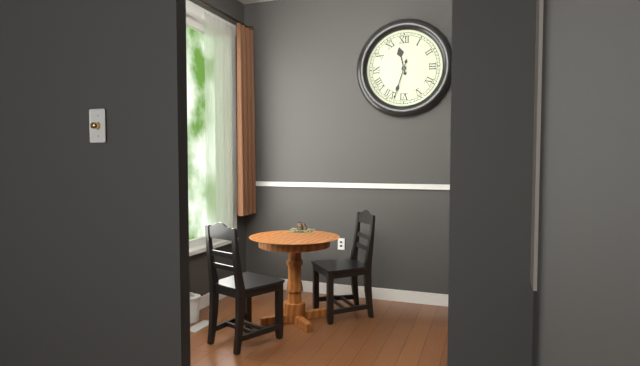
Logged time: 11 h 33 min
